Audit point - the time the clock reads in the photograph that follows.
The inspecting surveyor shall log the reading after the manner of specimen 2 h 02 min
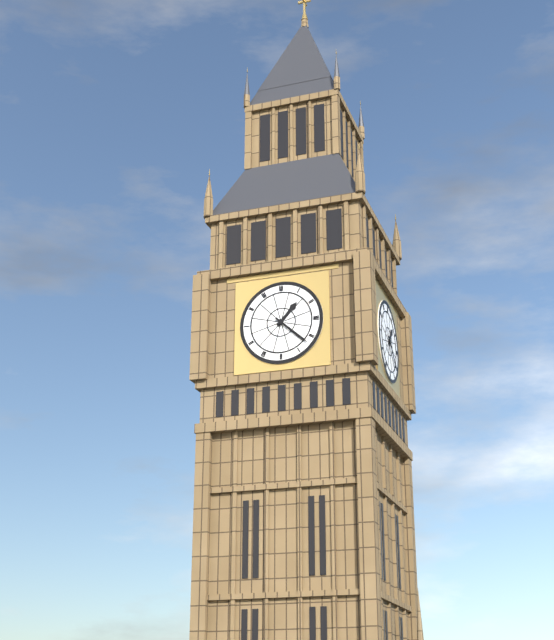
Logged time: 1 h 22 min
